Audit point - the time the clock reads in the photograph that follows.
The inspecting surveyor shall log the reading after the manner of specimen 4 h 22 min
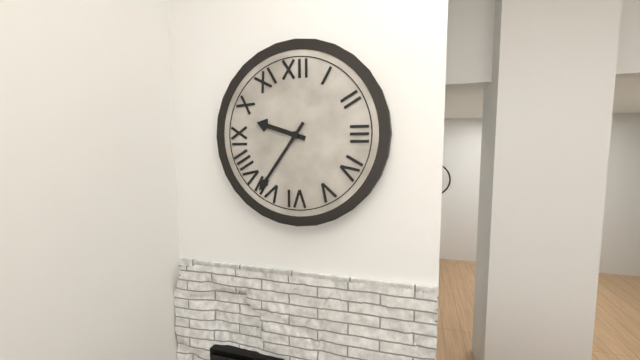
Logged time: 9 h 36 min
